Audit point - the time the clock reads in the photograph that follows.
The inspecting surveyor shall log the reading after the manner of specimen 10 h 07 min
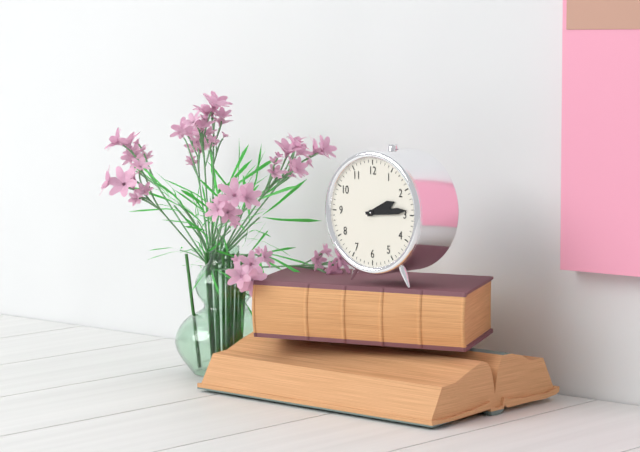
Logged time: 2 h 14 min
